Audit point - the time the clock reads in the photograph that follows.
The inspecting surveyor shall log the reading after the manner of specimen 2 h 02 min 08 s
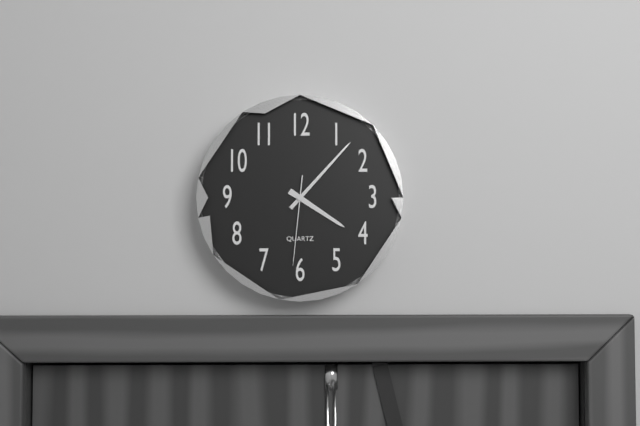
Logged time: 4 h 07 min 31 s
